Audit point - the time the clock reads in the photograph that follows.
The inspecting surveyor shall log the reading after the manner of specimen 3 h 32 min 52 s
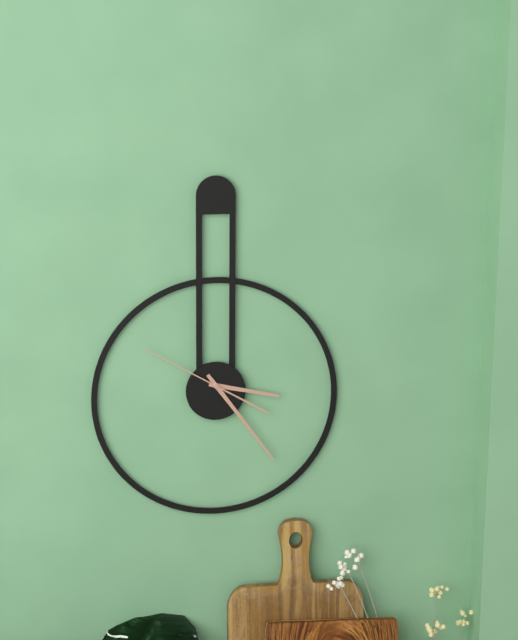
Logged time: 3 h 24 min 50 s
